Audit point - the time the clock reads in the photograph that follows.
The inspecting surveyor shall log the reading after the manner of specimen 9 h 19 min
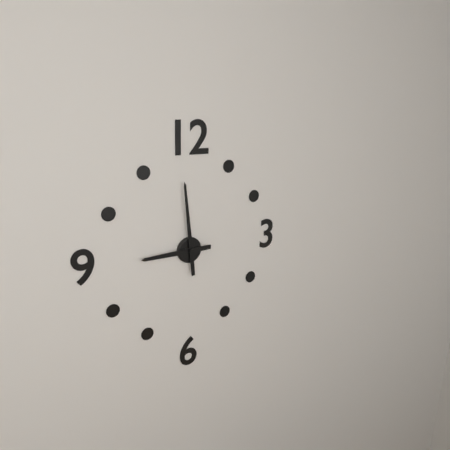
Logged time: 8 h 59 min
